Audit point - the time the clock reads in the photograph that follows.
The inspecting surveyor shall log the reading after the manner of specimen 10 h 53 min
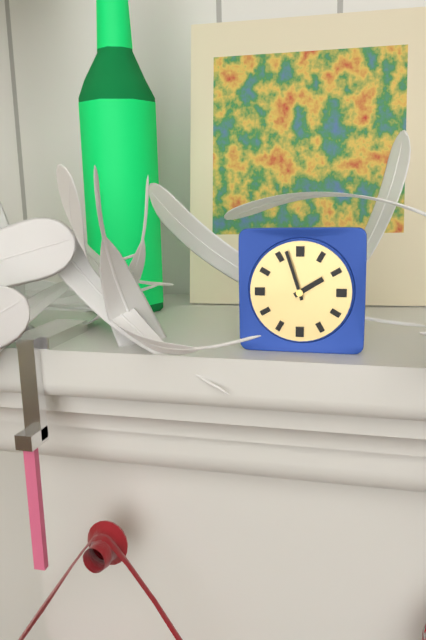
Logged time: 1 h 57 min
